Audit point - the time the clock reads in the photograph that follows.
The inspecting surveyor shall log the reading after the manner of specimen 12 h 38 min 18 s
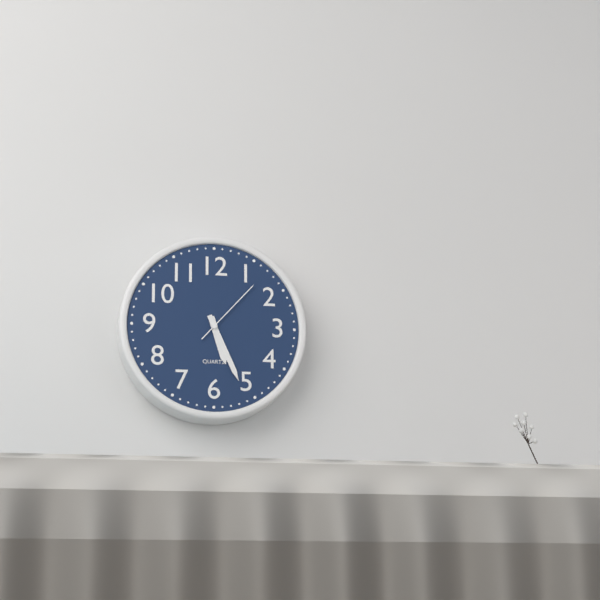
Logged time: 5 h 26 min 07 s
